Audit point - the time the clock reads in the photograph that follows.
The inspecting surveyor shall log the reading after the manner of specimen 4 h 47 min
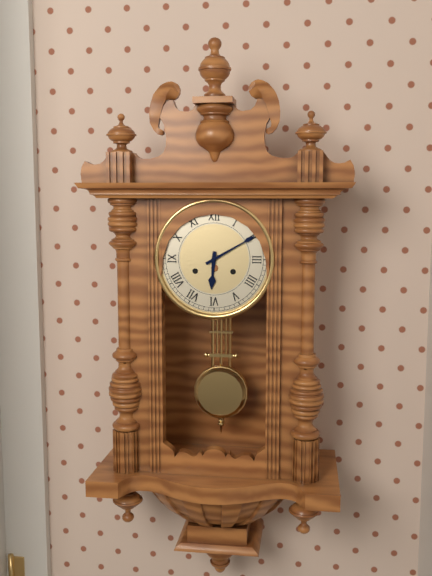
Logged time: 6 h 10 min
